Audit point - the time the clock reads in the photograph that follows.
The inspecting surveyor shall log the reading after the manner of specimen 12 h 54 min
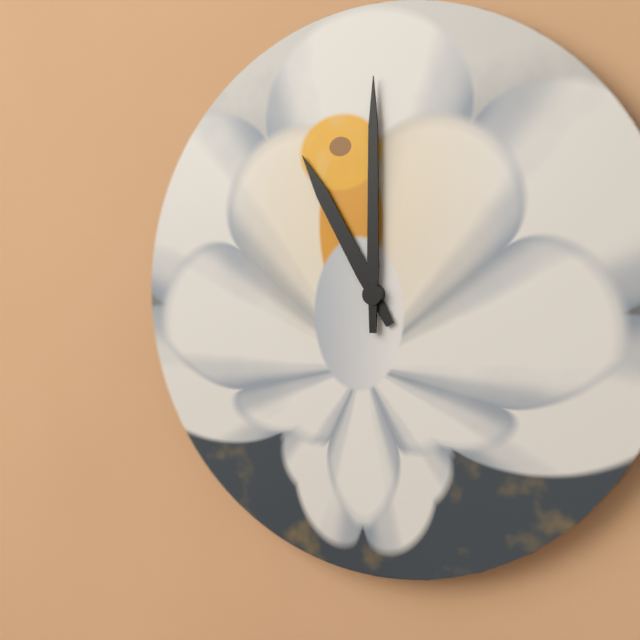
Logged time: 11 h 00 min
